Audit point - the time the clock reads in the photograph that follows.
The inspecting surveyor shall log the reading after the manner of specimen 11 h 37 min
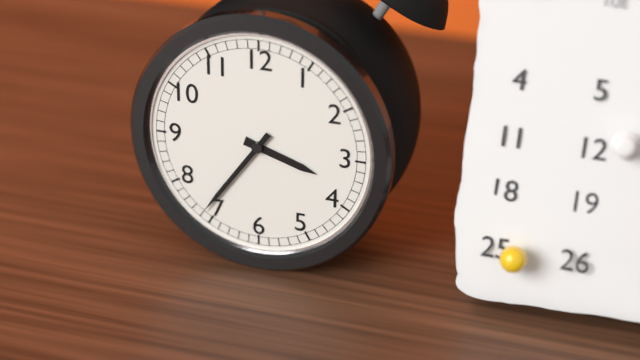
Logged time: 3 h 36 min
